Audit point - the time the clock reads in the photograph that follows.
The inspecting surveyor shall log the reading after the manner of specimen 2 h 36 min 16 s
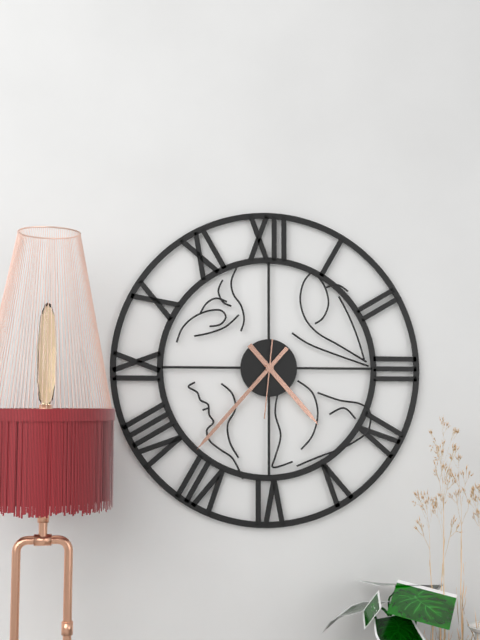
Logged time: 4 h 37 min 31 s
